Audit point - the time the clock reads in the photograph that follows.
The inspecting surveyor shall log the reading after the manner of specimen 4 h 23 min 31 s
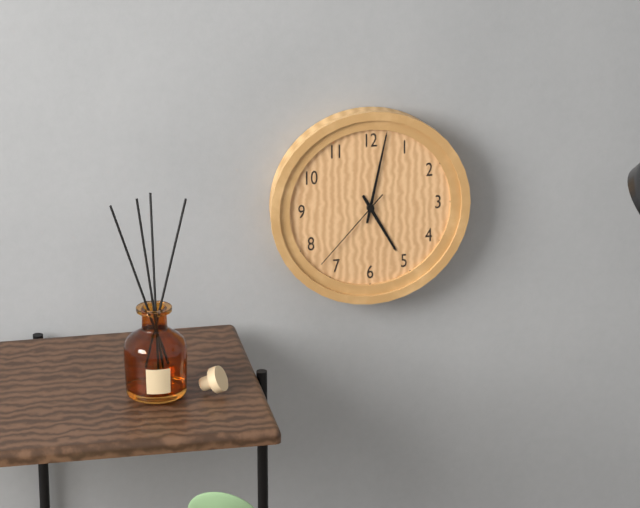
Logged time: 5 h 02 min 37 s
